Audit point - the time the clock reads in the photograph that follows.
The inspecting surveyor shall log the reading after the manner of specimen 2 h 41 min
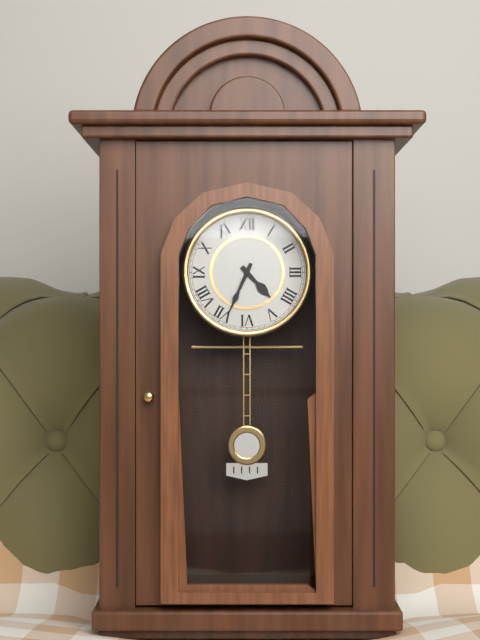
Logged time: 4 h 34 min
